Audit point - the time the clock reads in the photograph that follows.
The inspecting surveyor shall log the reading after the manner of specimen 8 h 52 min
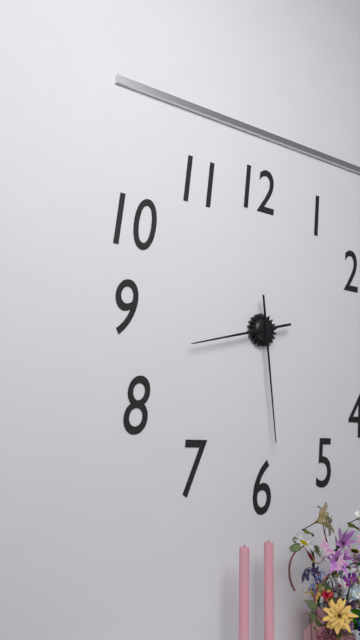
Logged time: 8 h 29 min
